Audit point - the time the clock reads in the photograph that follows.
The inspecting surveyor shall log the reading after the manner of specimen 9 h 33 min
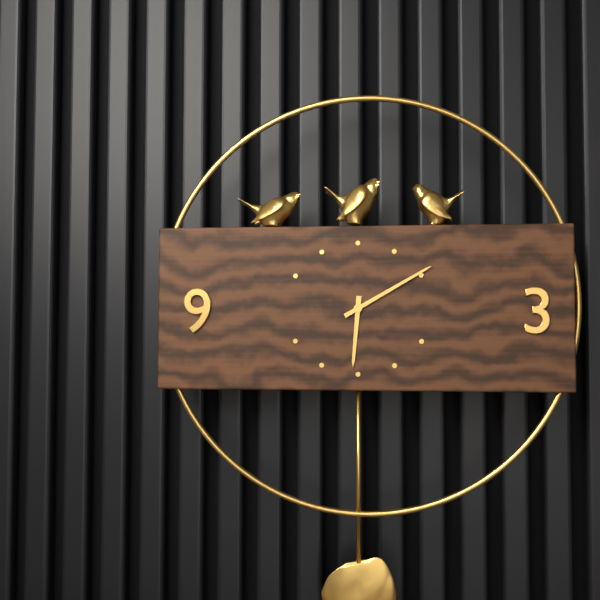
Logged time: 6 h 10 min
